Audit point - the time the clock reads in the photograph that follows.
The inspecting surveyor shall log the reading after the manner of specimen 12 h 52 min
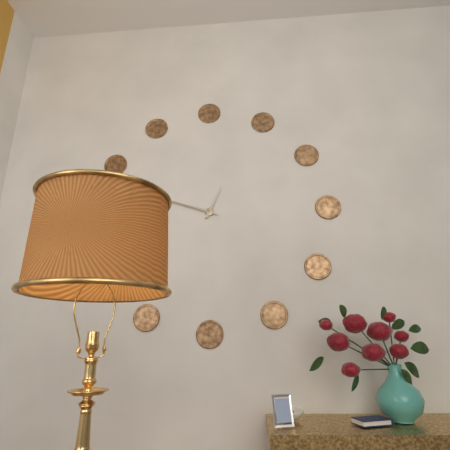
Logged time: 12 h 48 min
